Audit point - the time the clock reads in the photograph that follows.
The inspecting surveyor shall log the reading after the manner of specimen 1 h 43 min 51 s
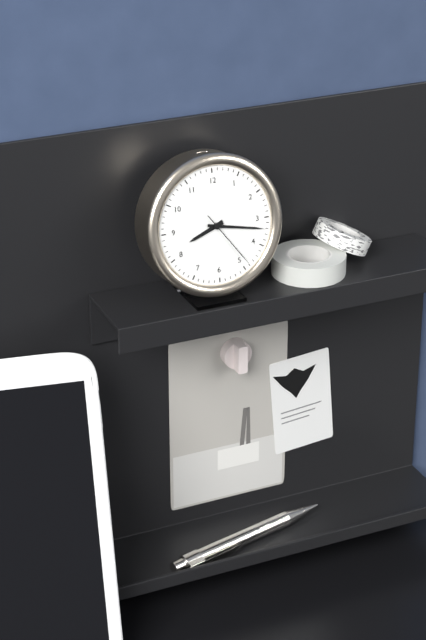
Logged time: 8 h 17 min 24 s
